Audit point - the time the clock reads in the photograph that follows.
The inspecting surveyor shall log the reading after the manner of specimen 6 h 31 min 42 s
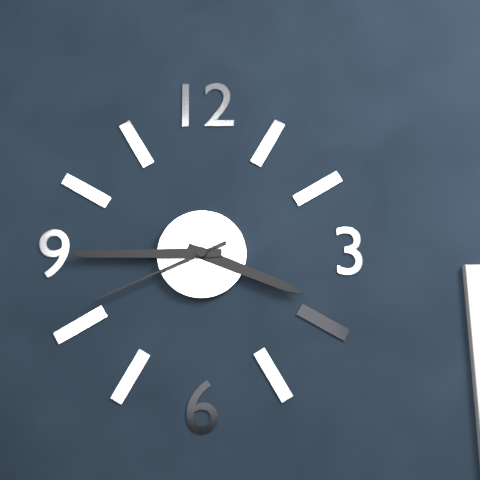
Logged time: 3 h 45 min 41 s
